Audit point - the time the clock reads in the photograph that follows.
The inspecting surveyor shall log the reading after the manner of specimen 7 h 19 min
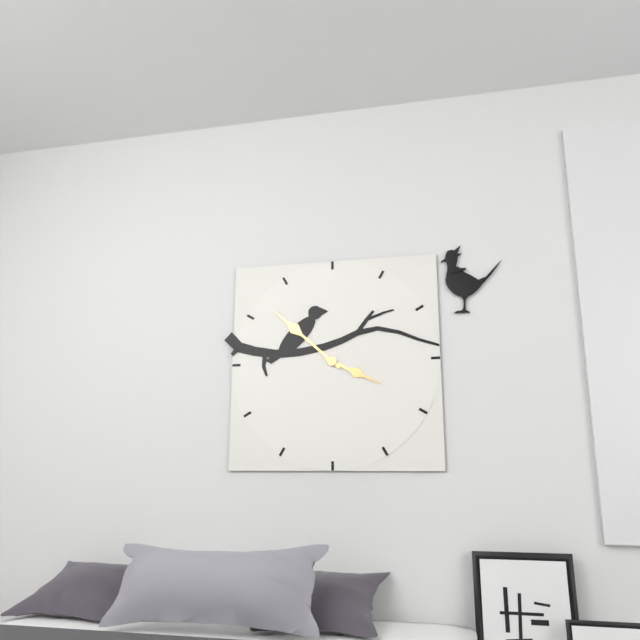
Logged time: 3 h 52 min
